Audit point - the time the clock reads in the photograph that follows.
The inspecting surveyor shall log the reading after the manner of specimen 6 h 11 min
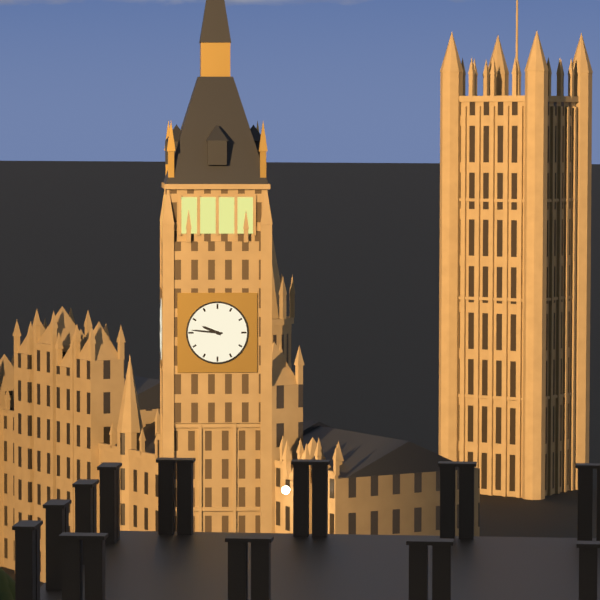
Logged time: 9 h 46 min
